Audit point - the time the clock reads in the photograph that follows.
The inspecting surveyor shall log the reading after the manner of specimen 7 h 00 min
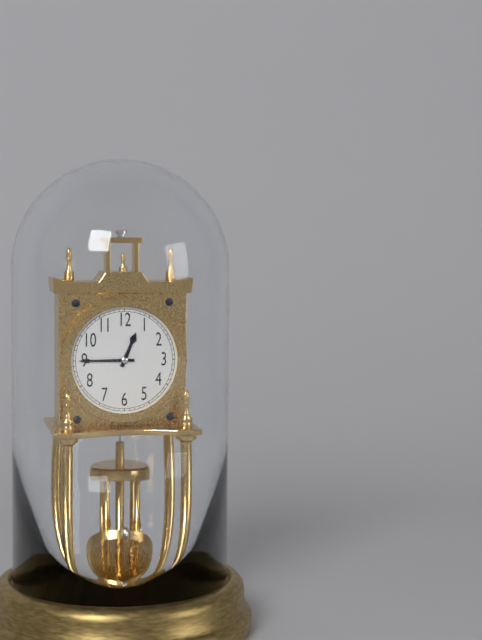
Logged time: 12 h 45 min
